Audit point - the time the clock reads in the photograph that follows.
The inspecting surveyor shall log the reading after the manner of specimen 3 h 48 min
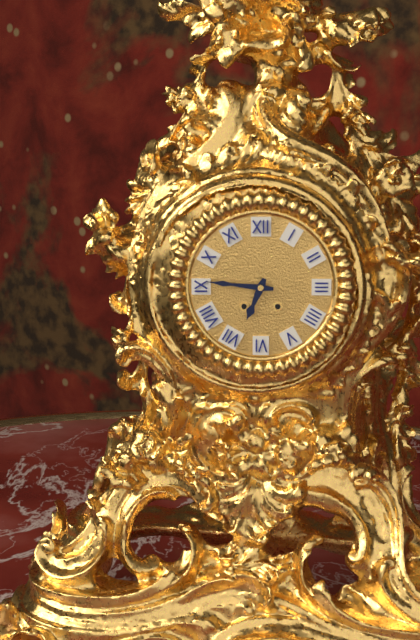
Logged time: 6 h 46 min
